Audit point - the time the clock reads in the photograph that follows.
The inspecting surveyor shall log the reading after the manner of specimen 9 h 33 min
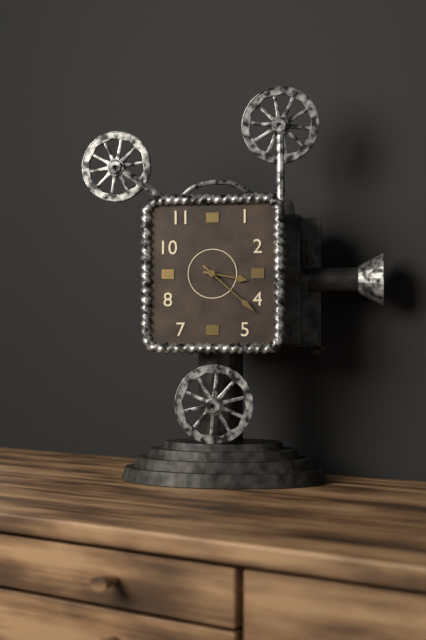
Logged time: 3 h 22 min
